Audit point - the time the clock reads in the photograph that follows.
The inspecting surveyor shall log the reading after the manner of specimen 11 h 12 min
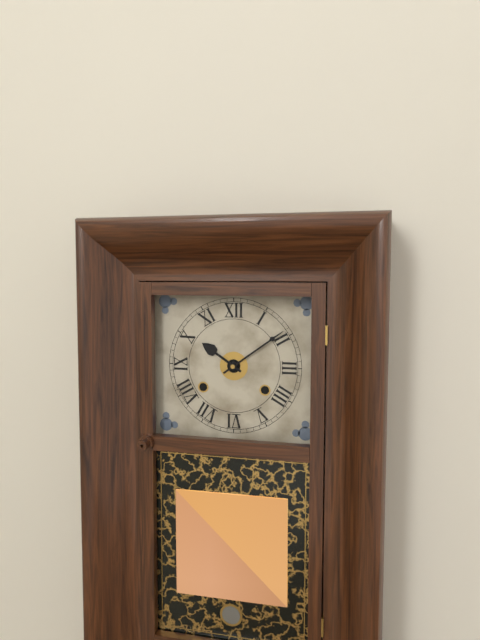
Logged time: 10 h 09 min
